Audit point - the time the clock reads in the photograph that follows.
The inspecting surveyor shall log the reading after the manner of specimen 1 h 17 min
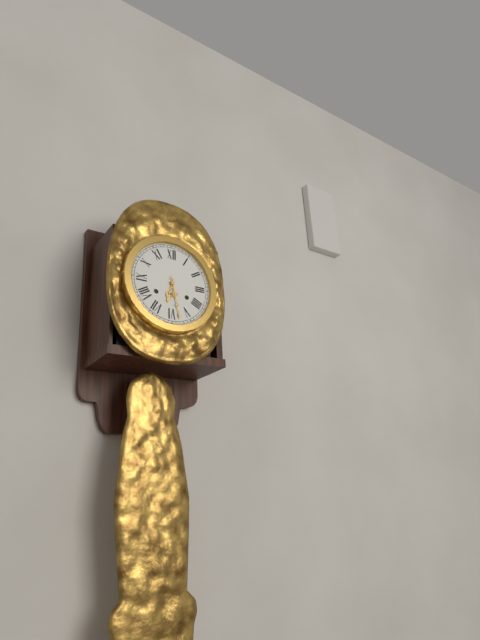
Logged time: 6 h 28 min
